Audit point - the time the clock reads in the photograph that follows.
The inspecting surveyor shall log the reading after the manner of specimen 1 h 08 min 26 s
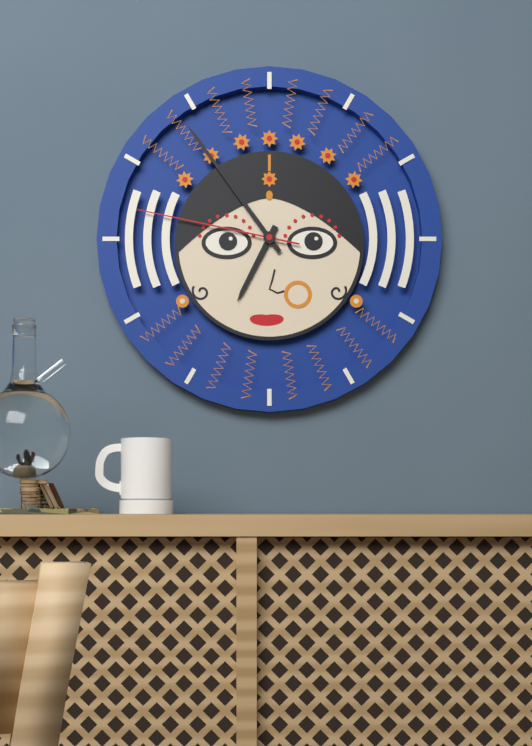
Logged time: 6 h 54 min 47 s
